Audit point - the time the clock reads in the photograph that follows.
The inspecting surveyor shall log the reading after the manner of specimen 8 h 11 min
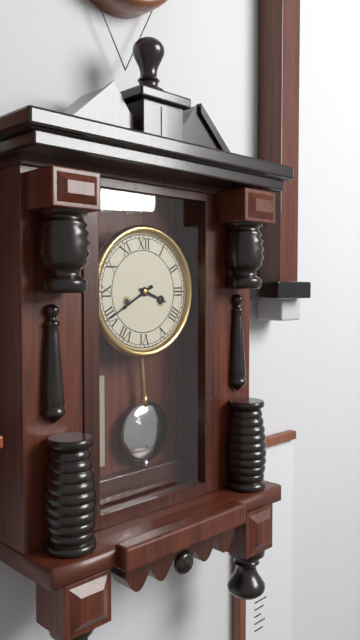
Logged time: 3 h 40 min
